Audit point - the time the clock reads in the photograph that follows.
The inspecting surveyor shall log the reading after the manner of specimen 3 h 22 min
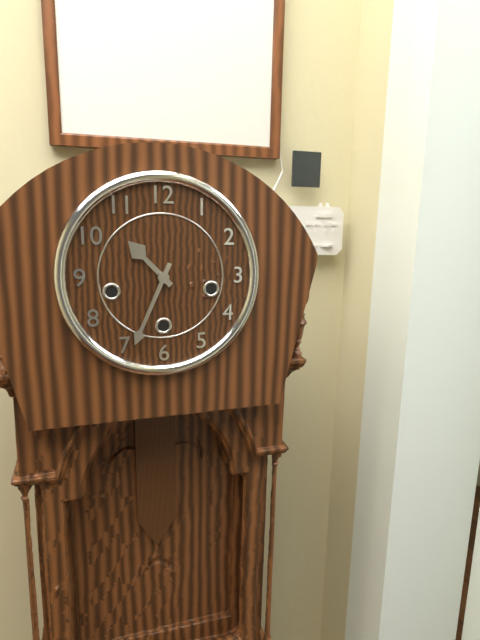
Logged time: 10 h 34 min
